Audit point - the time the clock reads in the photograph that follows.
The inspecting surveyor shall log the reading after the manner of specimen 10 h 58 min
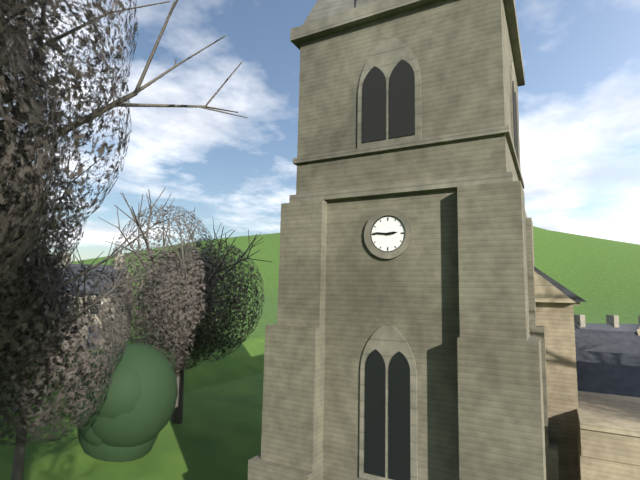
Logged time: 2 h 46 min
